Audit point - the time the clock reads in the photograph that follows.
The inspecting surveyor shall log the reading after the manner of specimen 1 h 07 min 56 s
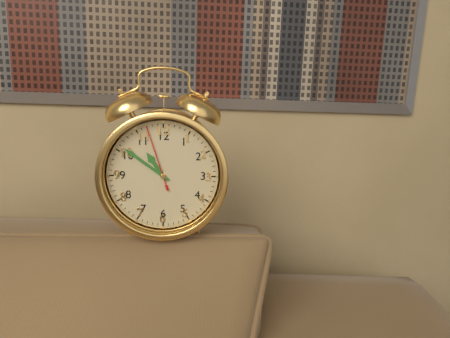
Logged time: 10 h 51 min 57 s
